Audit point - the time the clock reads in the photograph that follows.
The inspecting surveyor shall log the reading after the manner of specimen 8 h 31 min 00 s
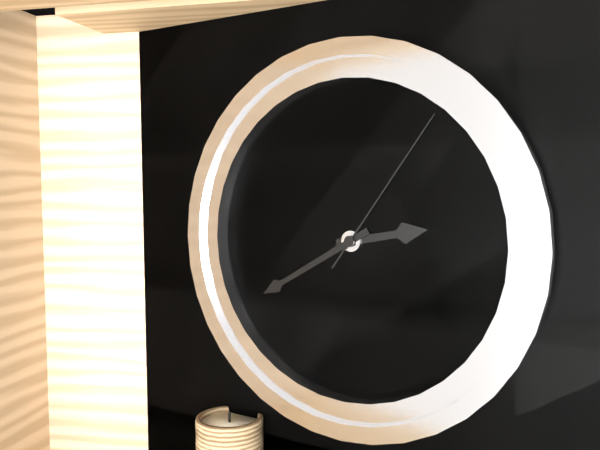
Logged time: 2 h 40 min 06 s
